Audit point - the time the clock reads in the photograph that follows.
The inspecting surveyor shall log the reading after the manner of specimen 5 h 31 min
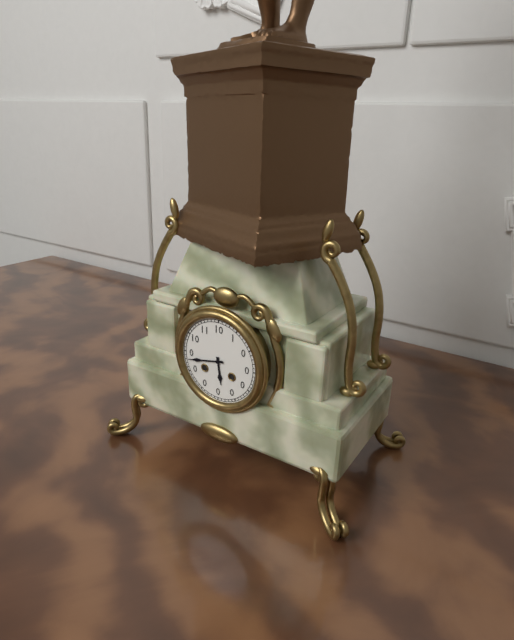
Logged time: 5 h 43 min
